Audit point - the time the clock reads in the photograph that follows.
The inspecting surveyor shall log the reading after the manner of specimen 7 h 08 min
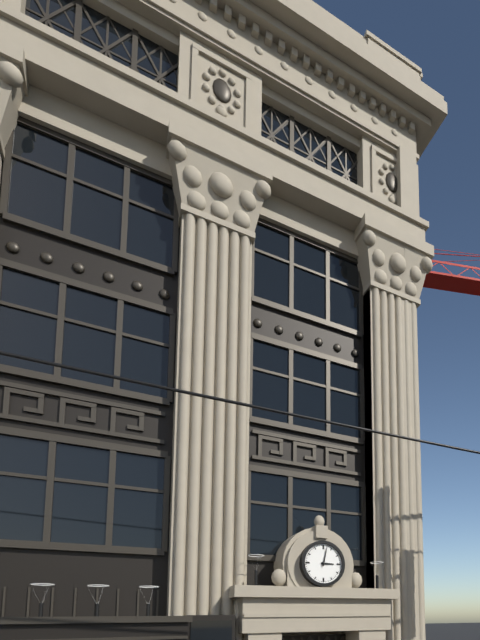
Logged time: 3 h 02 min
